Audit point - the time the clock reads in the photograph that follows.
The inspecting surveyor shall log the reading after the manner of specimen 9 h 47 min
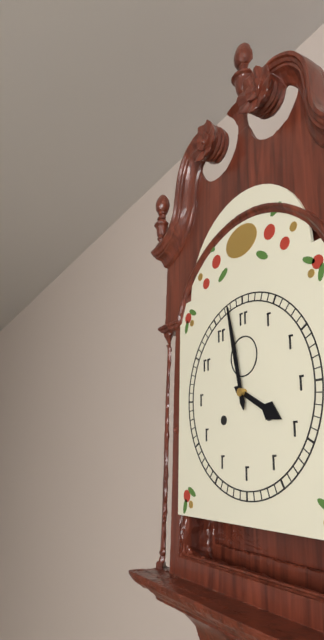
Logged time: 3 h 58 min
